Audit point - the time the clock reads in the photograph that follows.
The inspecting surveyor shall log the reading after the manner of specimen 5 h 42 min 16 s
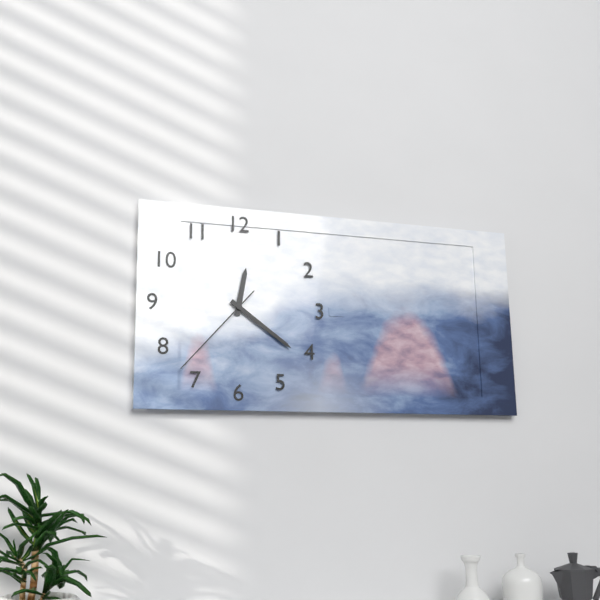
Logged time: 12 h 21 min 37 s
